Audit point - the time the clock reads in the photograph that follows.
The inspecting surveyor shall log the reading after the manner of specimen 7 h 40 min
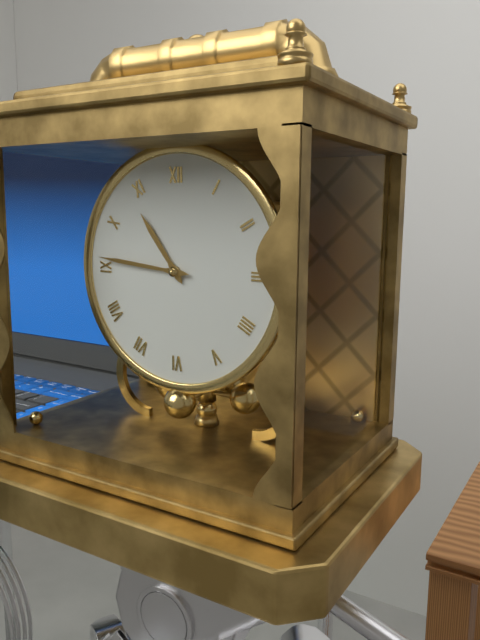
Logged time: 10 h 46 min
